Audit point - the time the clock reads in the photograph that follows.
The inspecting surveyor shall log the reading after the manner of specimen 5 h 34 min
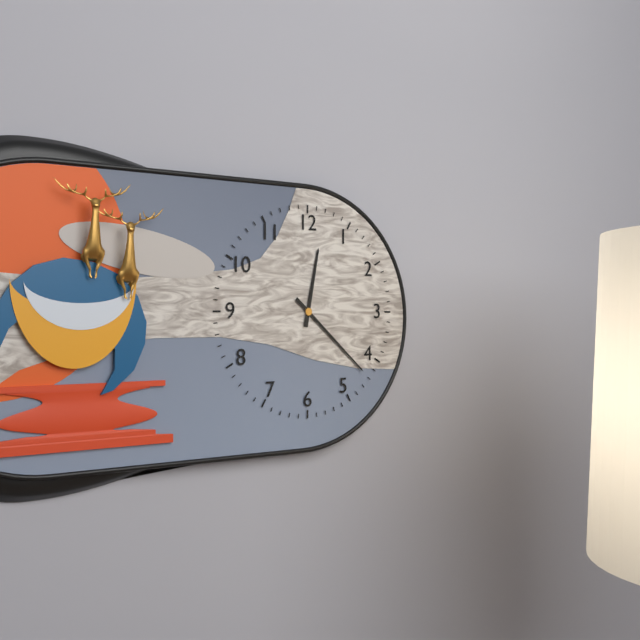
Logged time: 12 h 22 min
